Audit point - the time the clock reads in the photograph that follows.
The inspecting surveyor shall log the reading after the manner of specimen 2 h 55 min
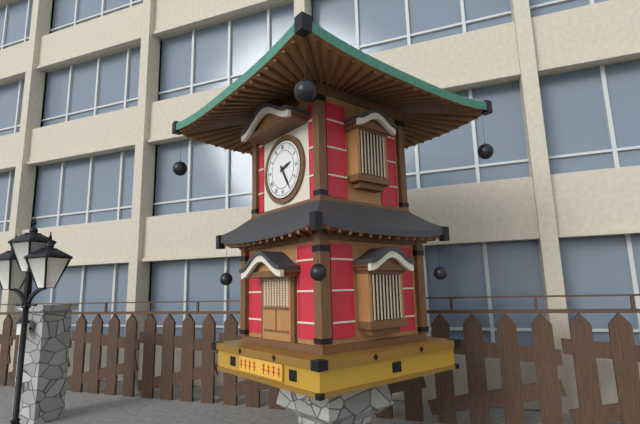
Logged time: 2 h 25 min
